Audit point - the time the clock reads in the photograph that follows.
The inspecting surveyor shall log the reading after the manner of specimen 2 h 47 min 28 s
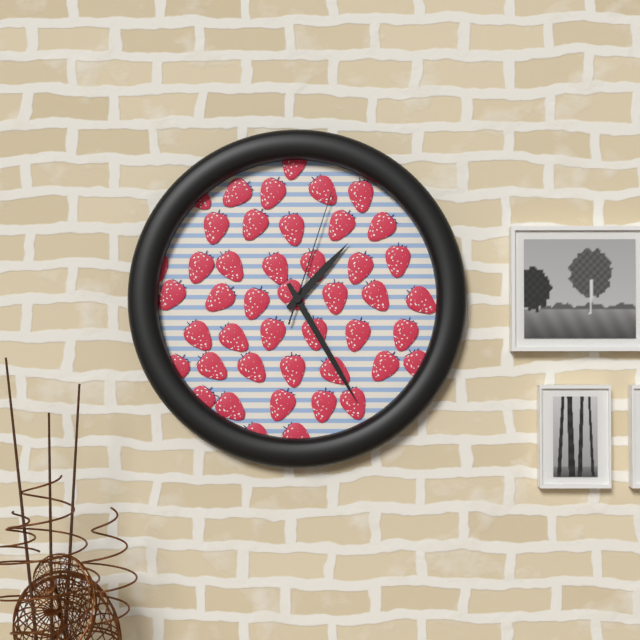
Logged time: 1 h 25 min 03 s
